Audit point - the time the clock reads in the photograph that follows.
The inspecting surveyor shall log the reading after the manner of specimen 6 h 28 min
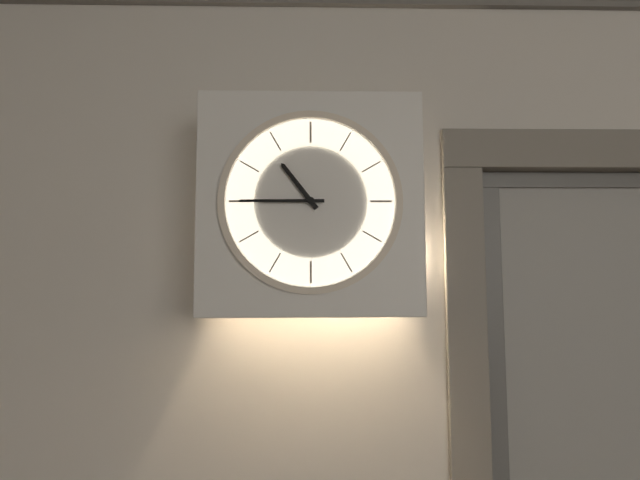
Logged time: 10 h 45 min
